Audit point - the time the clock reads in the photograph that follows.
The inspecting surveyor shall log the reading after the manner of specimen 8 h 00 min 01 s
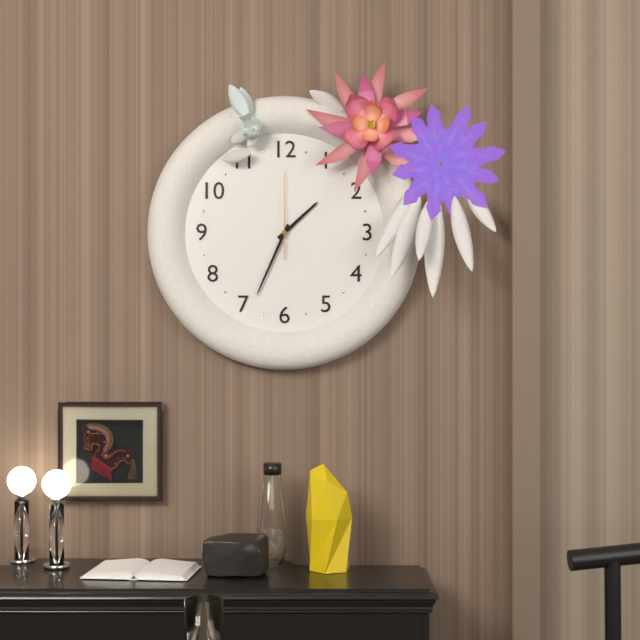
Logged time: 1 h 34 min 00 s
